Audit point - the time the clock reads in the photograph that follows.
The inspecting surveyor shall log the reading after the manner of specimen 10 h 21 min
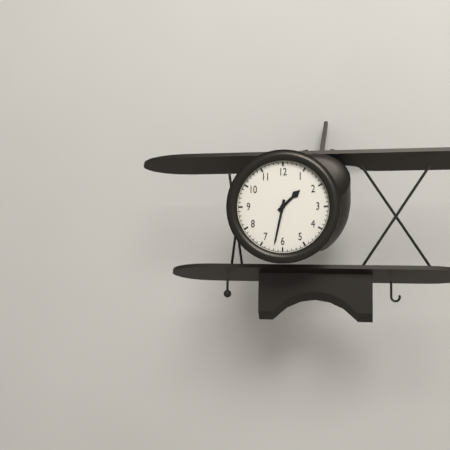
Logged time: 1 h 32 min
